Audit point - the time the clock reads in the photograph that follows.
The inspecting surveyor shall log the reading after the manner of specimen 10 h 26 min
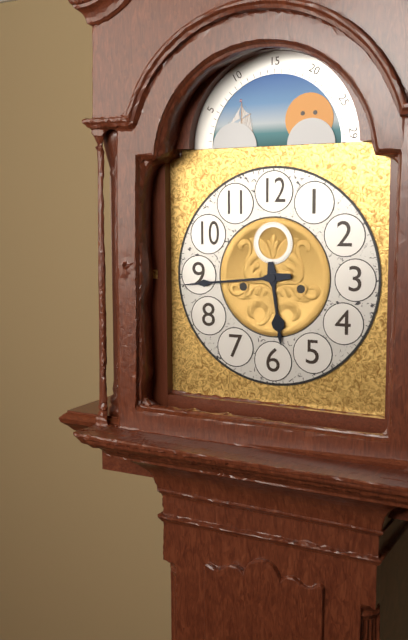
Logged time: 5 h 44 min
